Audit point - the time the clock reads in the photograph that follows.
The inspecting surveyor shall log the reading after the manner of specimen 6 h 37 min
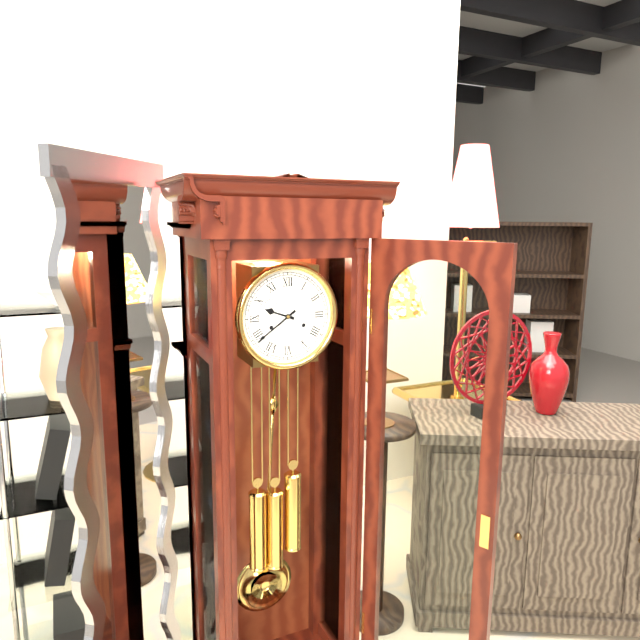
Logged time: 9 h 39 min
